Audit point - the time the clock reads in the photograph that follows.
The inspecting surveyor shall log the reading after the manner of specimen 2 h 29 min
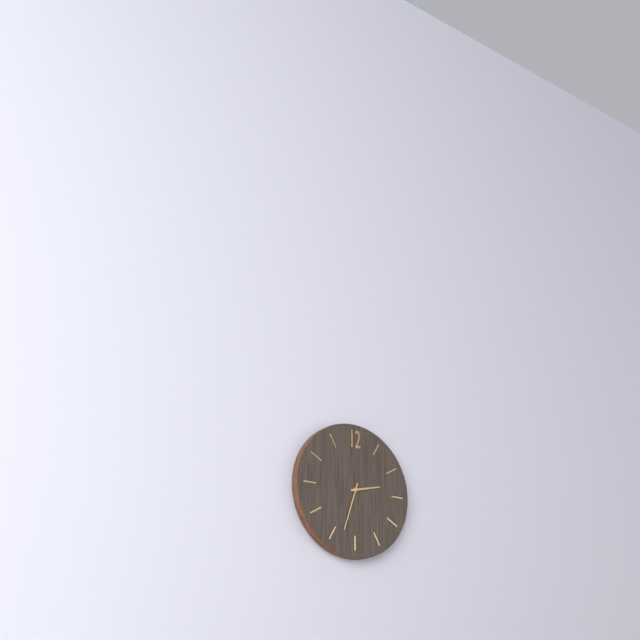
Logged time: 2 h 33 min
